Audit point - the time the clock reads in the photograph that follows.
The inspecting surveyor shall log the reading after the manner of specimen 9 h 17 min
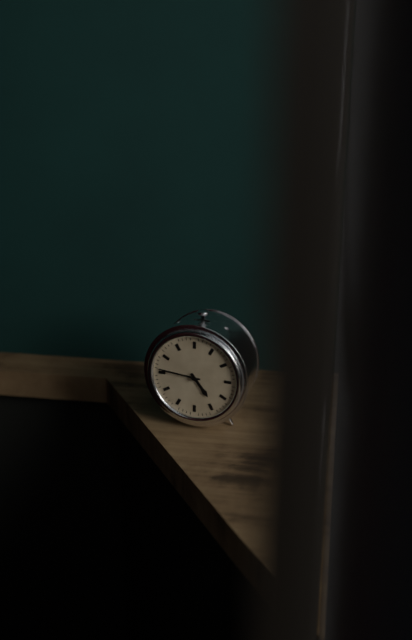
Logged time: 4 h 46 min
